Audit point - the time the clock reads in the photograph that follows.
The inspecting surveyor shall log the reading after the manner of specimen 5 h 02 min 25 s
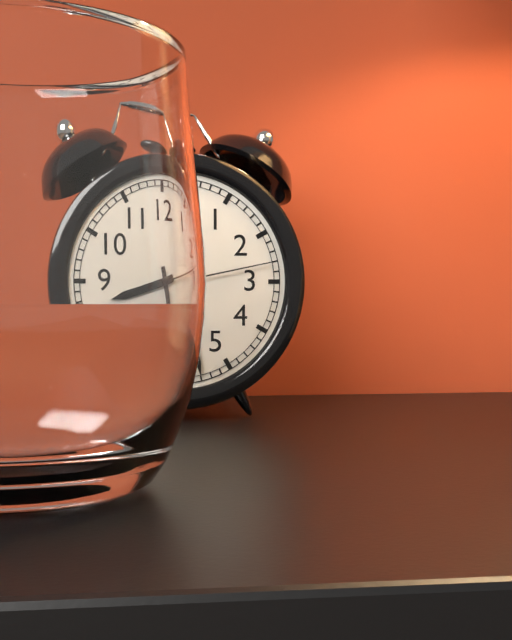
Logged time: 8 h 28 min 13 s
